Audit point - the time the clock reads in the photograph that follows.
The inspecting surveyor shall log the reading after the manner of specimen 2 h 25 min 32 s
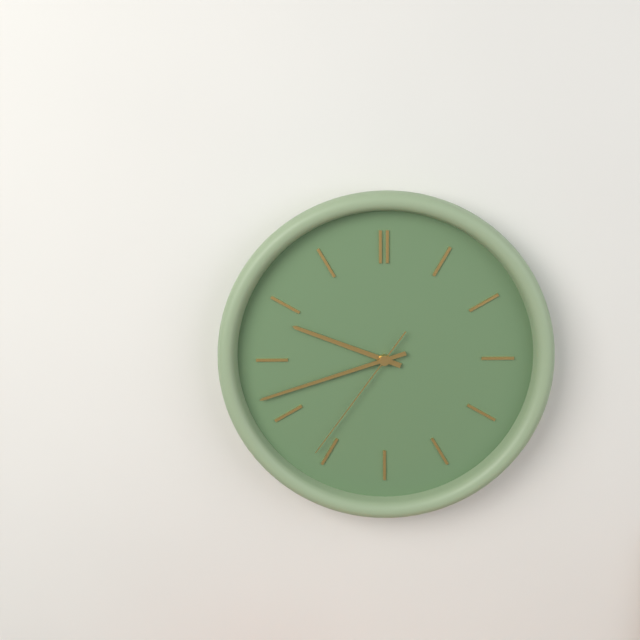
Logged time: 9 h 42 min 36 s
